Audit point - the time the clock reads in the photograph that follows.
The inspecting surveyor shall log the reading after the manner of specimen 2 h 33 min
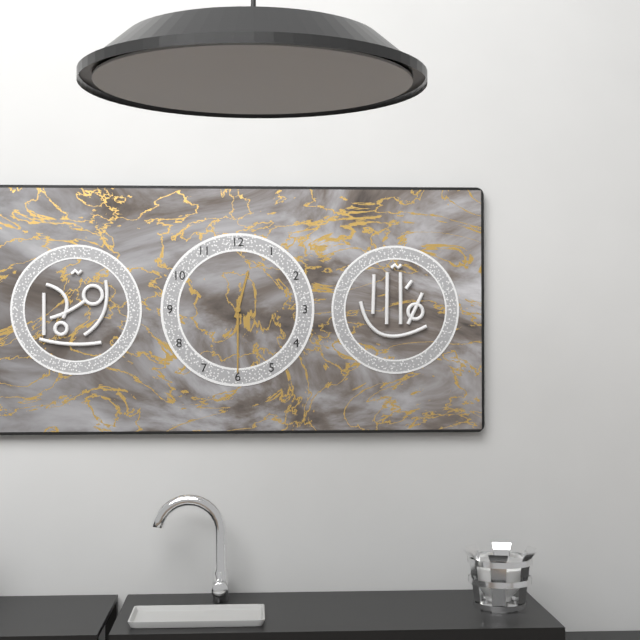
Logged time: 12 h 30 min
